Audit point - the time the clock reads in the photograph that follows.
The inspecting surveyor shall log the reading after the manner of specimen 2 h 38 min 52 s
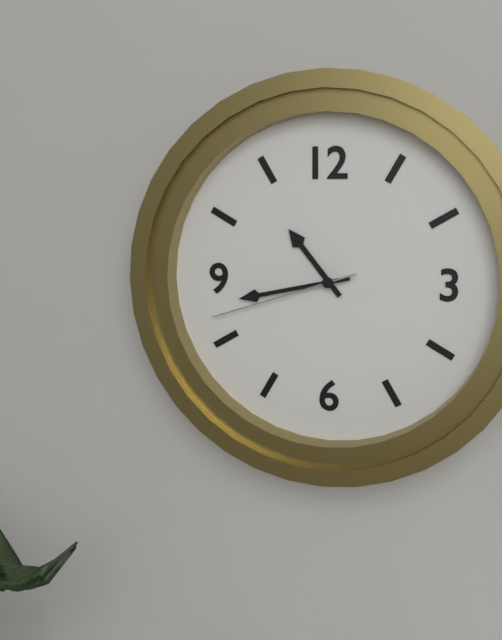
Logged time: 10 h 43 min 42 s
